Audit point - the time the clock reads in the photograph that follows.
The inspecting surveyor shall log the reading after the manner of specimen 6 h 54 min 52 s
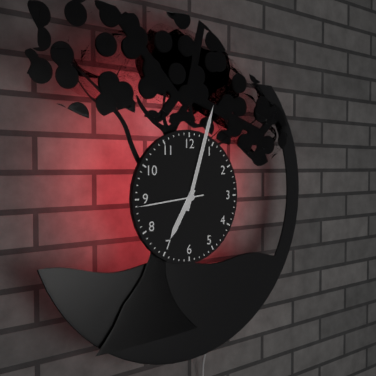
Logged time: 7 h 03 min 44 s
